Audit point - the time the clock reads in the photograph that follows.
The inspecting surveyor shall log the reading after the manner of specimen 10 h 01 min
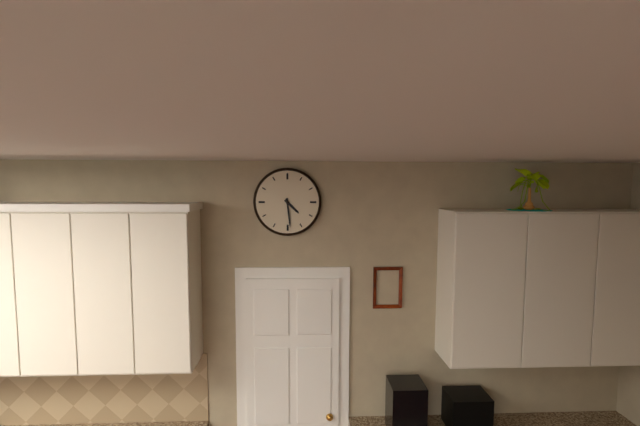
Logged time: 4 h 29 min
